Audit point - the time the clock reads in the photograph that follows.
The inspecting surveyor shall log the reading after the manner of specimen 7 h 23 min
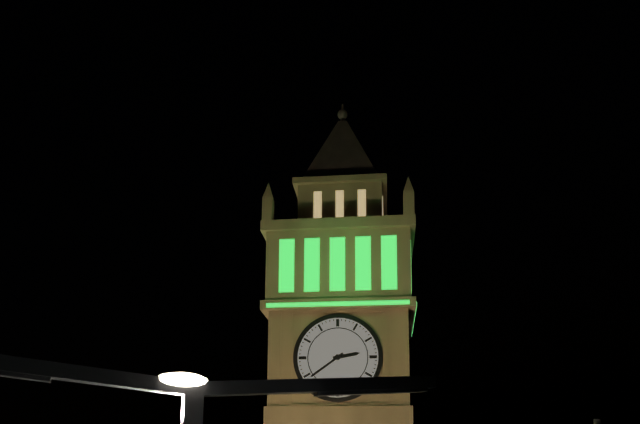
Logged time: 2 h 39 min
